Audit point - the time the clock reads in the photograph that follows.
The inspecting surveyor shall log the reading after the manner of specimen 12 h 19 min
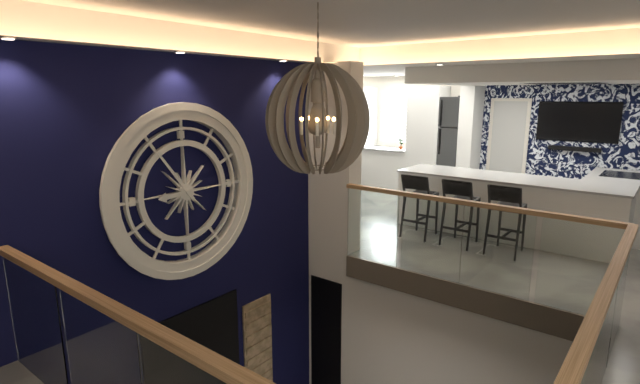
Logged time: 8 h 54 min
